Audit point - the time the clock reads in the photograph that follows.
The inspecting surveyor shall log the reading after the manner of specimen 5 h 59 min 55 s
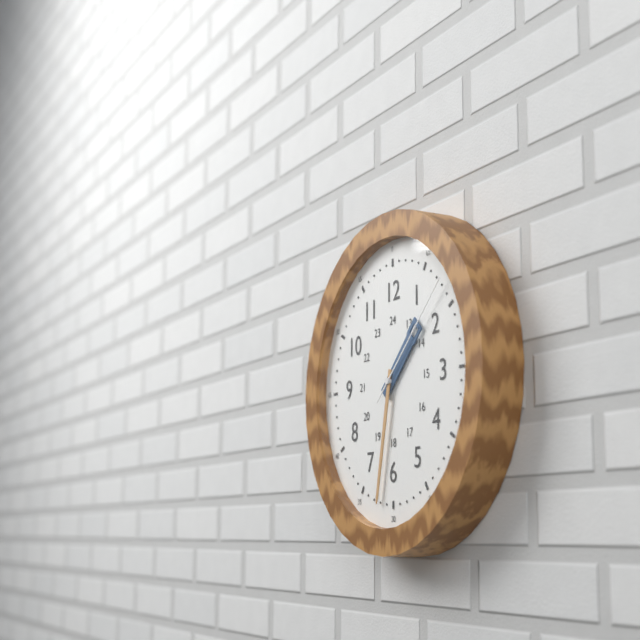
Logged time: 1 h 32 min 08 s
